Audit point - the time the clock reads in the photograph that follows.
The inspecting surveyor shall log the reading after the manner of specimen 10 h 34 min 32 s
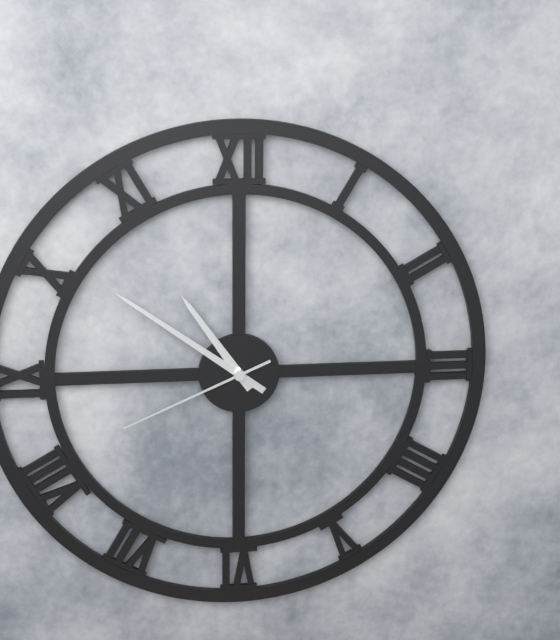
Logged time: 10 h 51 min 41 s
